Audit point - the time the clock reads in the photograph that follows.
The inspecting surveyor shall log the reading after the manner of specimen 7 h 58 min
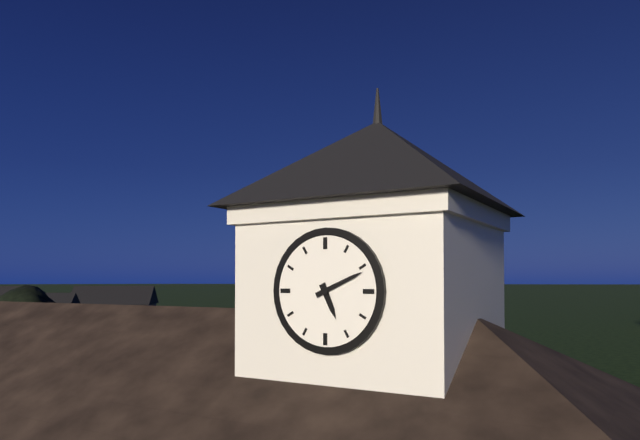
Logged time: 5 h 11 min
